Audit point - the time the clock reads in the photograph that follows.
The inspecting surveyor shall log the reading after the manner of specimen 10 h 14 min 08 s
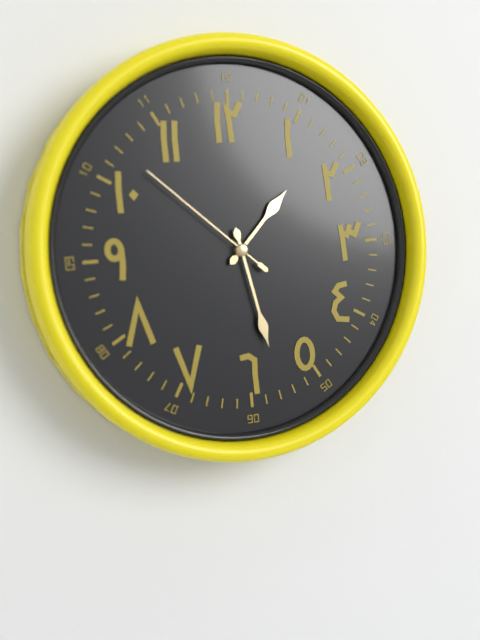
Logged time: 1 h 28 min 52 s
